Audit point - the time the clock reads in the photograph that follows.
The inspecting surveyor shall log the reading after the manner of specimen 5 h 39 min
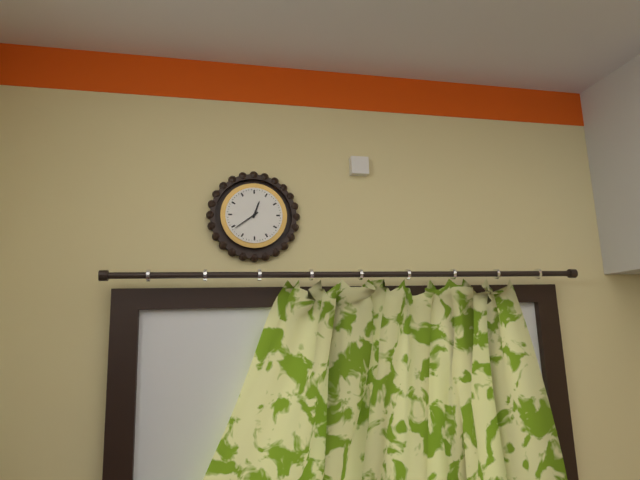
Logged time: 12 h 39 min
